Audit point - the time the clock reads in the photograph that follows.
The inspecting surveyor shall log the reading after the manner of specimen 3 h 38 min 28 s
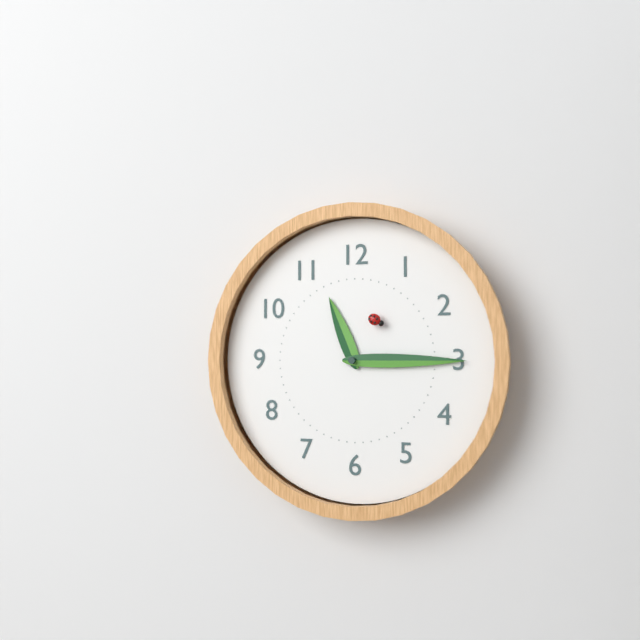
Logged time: 11 h 15 min 05 s
